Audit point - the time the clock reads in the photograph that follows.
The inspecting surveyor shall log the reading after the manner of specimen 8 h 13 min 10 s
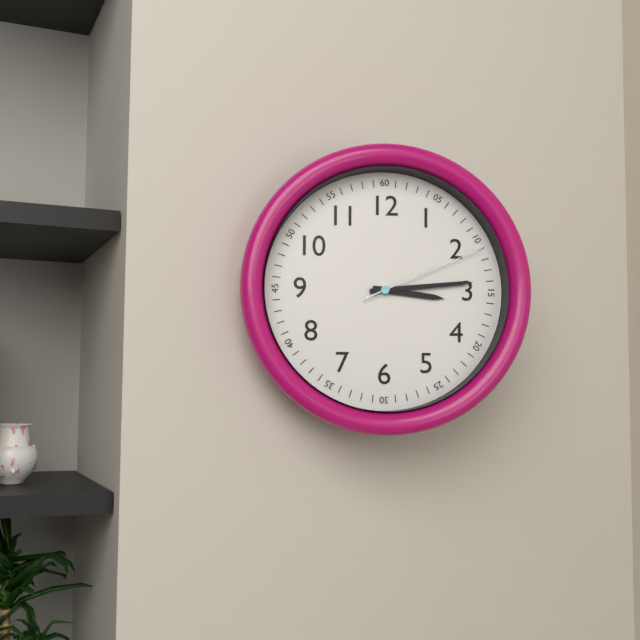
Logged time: 3 h 14 min 11 s
